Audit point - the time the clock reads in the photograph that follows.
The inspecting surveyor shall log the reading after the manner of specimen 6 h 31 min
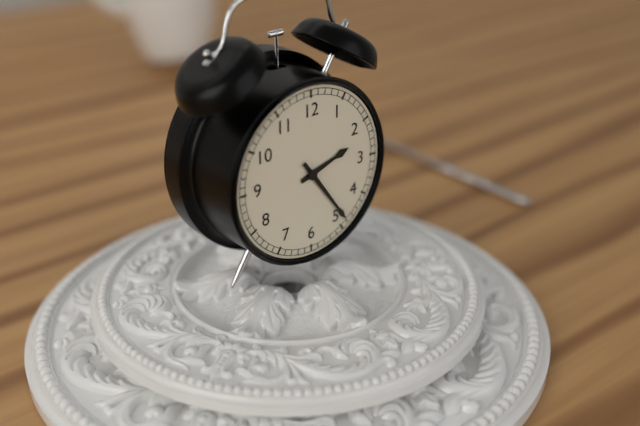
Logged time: 2 h 24 min
